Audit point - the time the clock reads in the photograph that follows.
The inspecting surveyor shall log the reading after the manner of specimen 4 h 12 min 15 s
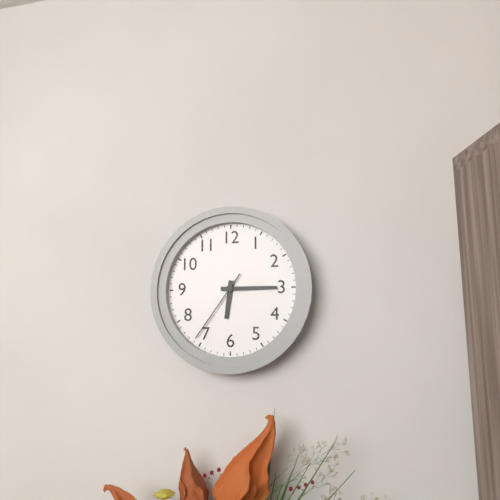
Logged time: 6 h 15 min 36 s
